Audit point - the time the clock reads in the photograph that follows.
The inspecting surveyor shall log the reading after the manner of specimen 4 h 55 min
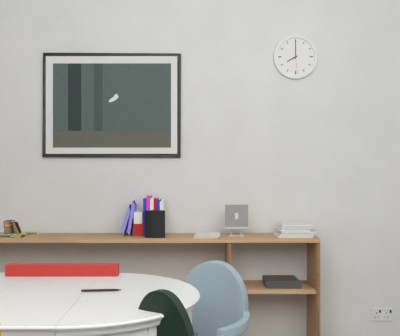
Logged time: 8 h 00 min
